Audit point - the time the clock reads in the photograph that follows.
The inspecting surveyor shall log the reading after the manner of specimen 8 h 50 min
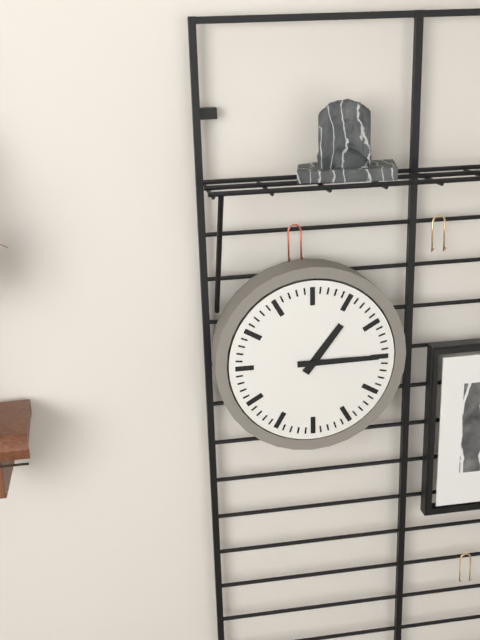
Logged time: 1 h 15 min
